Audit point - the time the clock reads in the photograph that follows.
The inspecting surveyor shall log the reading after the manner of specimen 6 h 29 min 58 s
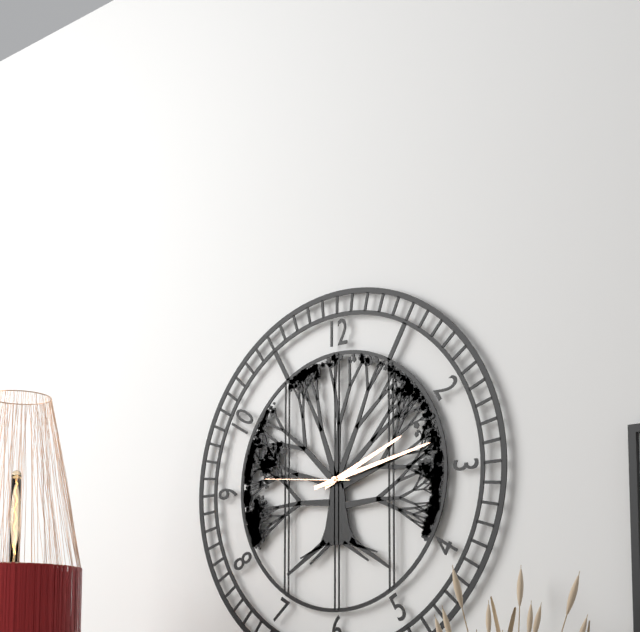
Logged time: 2 h 13 min 46 s
